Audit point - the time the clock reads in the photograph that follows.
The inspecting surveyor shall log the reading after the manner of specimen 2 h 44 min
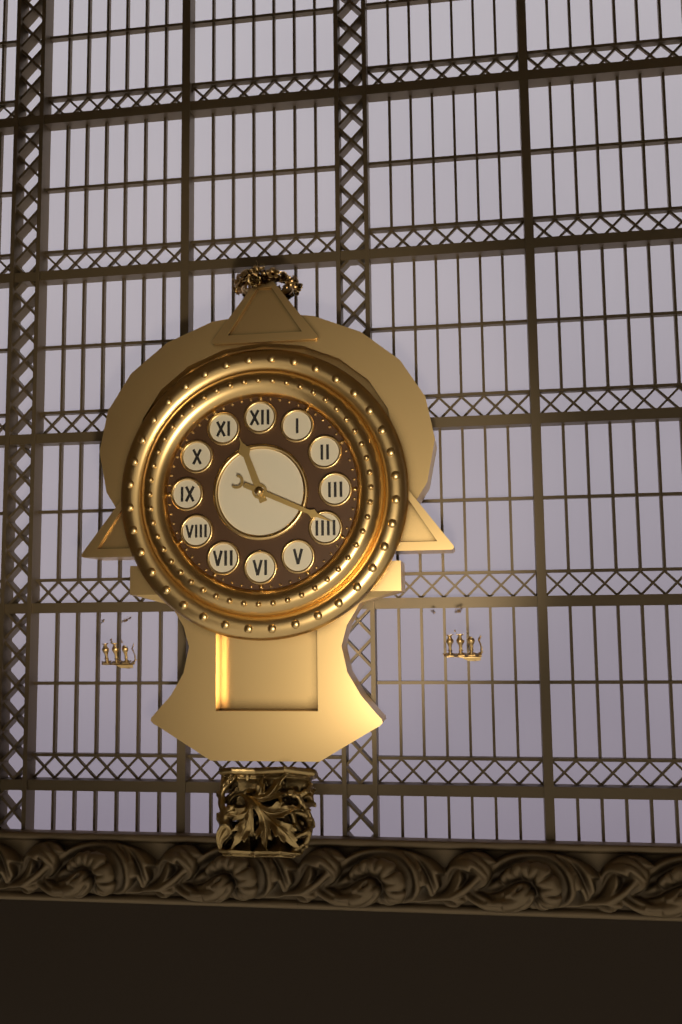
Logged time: 11 h 19 min
